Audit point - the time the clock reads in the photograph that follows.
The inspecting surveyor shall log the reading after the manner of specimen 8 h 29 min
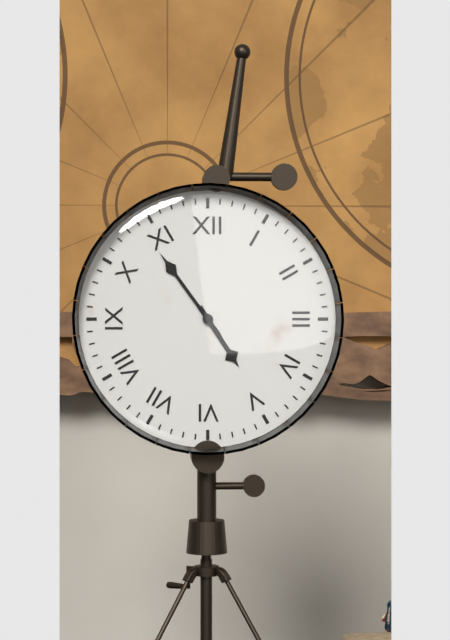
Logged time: 4 h 54 min
